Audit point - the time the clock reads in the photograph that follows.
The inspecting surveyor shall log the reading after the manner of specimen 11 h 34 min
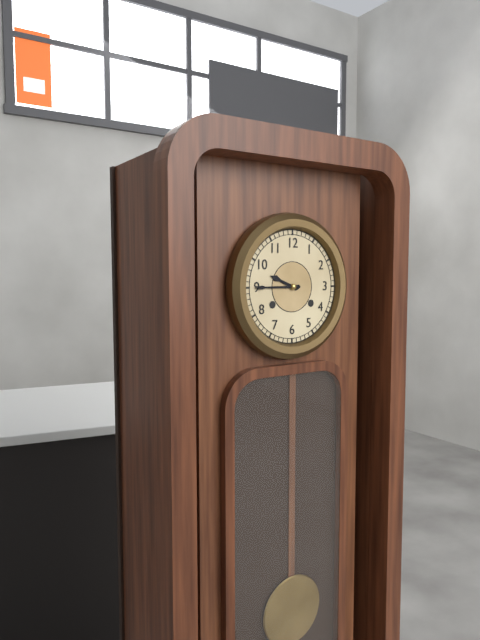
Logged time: 9 h 45 min
